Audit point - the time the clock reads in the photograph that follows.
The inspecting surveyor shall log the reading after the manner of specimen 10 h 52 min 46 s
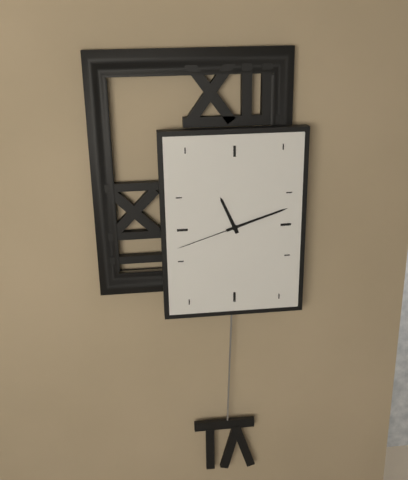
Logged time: 11 h 12 min 42 s
